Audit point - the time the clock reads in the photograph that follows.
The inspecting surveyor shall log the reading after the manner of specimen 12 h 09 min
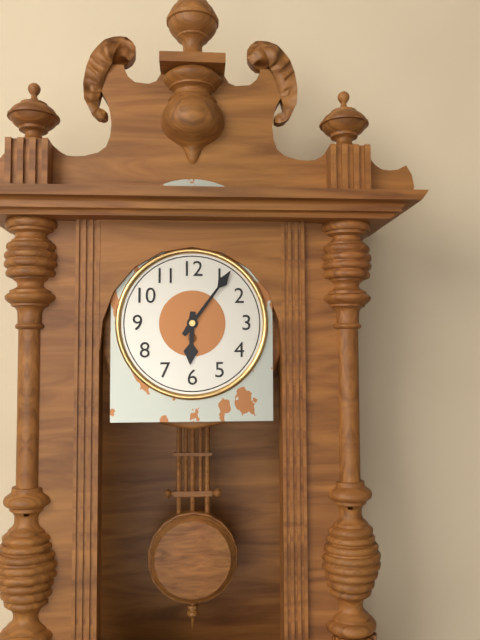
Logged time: 6 h 06 min
